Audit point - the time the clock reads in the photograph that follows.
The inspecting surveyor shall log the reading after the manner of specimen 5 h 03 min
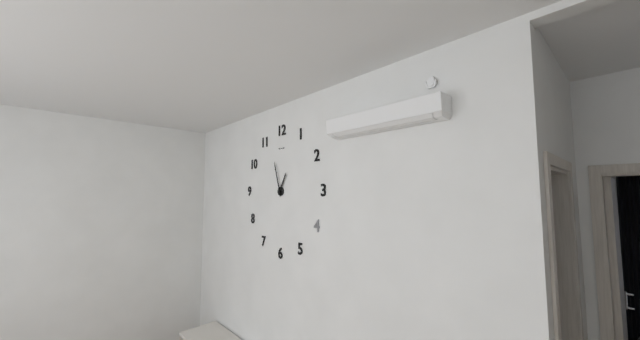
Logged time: 12 h 57 min
